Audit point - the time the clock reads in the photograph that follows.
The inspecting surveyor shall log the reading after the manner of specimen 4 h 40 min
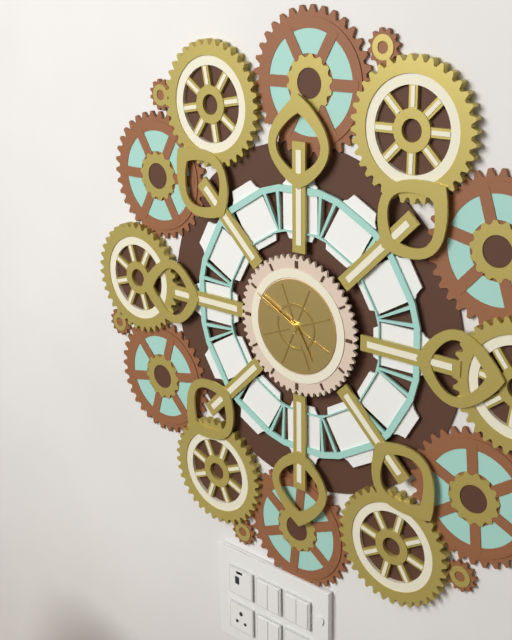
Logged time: 4 h 50 min
